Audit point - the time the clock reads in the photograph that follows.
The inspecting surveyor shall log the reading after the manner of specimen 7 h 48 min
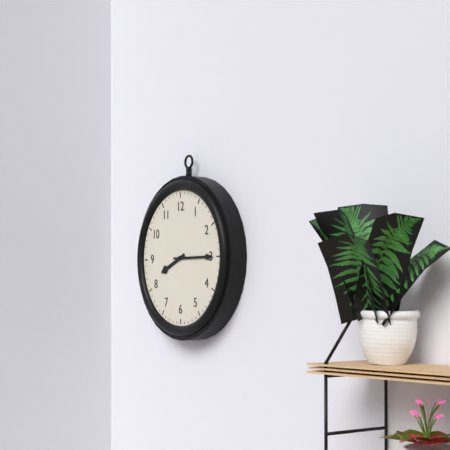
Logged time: 8 h 15 min
